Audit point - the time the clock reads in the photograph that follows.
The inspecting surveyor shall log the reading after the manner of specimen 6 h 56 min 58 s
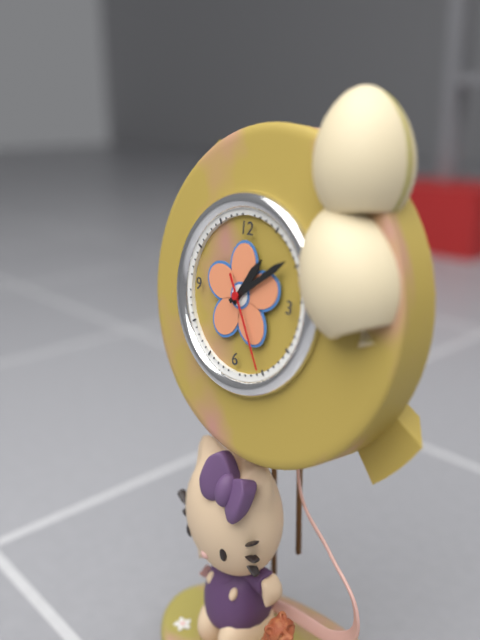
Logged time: 1 h 09 min 25 s
